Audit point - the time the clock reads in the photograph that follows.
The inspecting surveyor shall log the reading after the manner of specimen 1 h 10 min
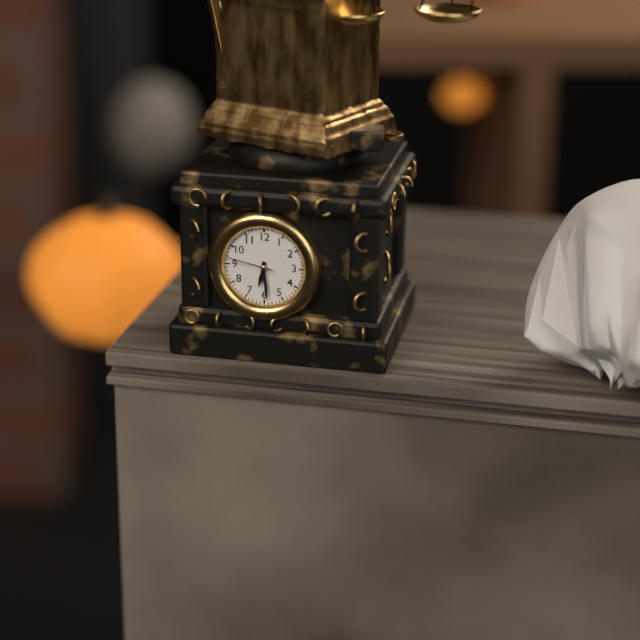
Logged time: 6 h 29 min
